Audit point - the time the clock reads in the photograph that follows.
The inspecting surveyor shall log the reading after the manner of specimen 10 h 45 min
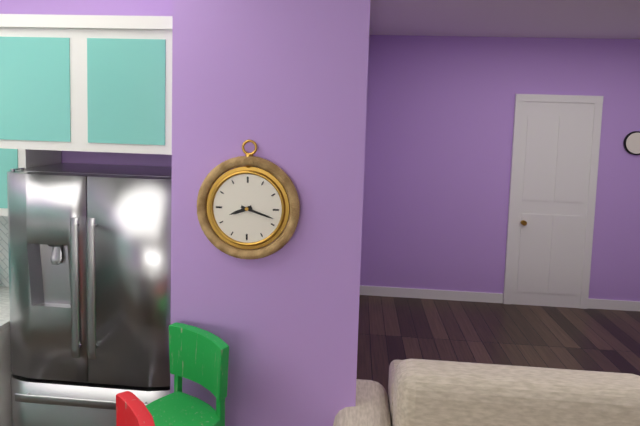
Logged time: 8 h 18 min
